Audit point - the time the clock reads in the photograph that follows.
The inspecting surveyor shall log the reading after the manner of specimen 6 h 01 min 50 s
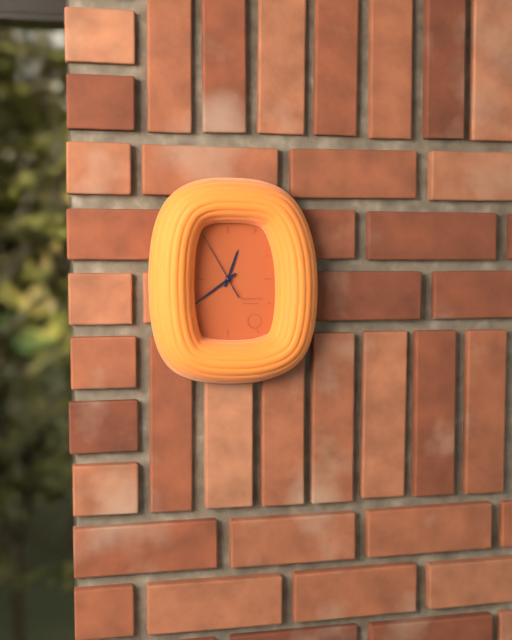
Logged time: 12 h 39 min 55 s
